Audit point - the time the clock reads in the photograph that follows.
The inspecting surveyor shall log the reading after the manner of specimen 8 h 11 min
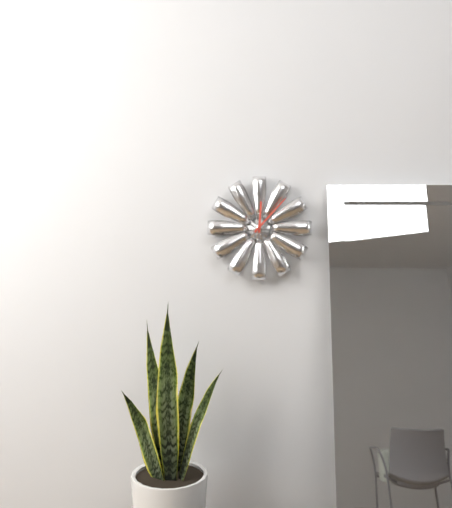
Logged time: 12 h 07 min
